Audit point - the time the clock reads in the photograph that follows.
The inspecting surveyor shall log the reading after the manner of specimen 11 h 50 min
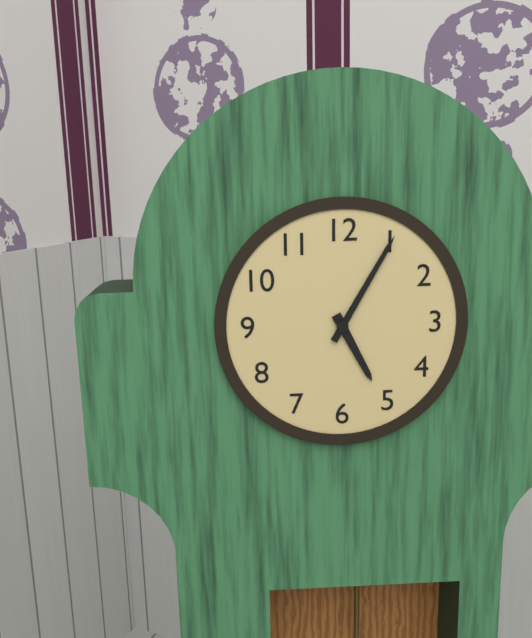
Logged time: 5 h 05 min
